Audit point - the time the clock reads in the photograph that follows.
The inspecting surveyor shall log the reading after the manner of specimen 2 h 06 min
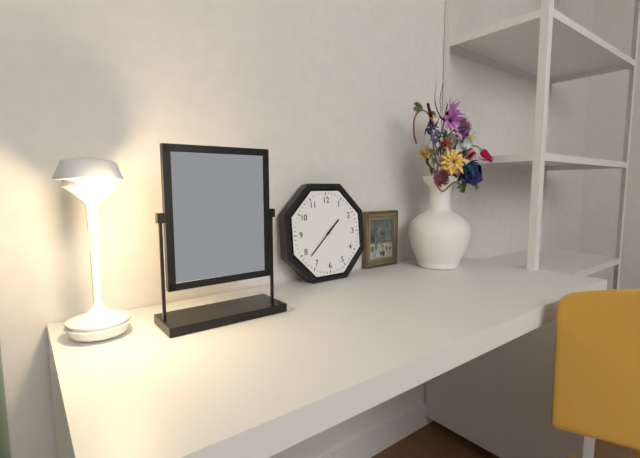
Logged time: 1 h 38 min
